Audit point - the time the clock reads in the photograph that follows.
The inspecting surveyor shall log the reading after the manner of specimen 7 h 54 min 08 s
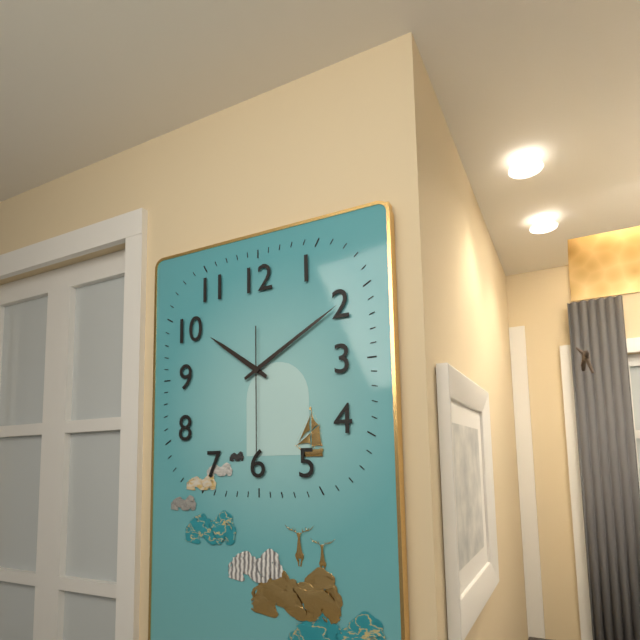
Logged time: 10 h 10 min 30 s
